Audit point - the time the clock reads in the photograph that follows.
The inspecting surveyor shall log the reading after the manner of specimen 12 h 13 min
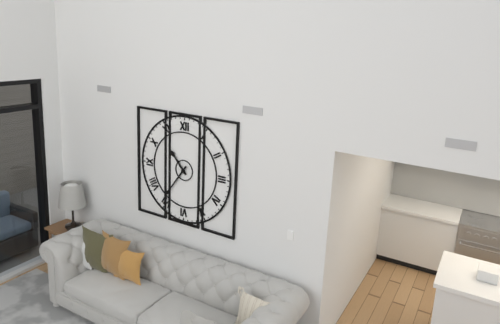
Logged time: 10 h 36 min
